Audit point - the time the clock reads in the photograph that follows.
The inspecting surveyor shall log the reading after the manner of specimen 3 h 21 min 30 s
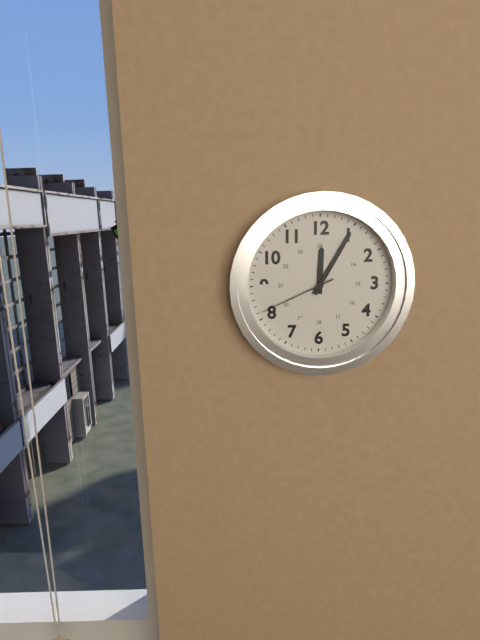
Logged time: 12 h 05 min 41 s
